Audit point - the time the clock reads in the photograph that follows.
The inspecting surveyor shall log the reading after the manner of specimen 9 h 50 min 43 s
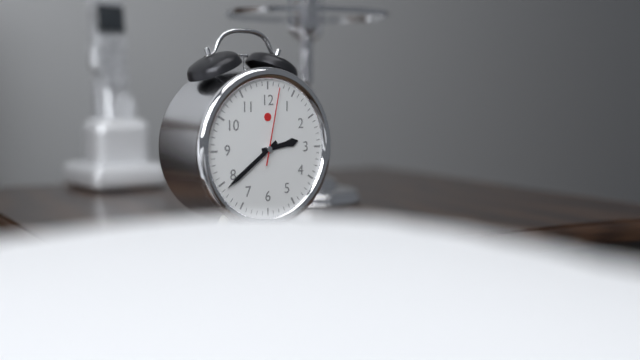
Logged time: 2 h 39 min 02 s
